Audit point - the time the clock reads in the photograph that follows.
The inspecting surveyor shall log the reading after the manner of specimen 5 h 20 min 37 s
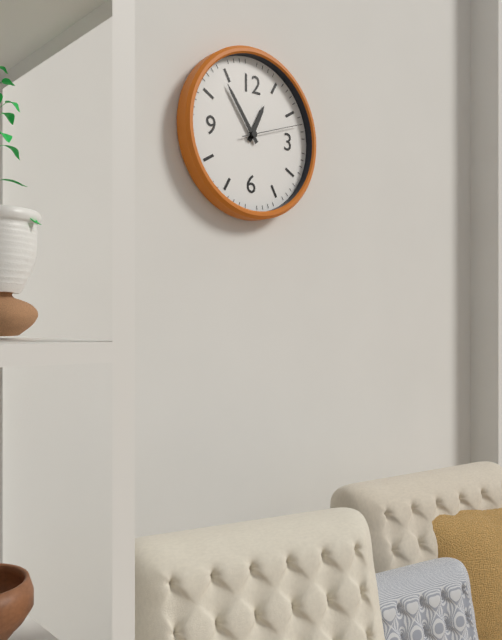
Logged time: 12 h 54 min 12 s
